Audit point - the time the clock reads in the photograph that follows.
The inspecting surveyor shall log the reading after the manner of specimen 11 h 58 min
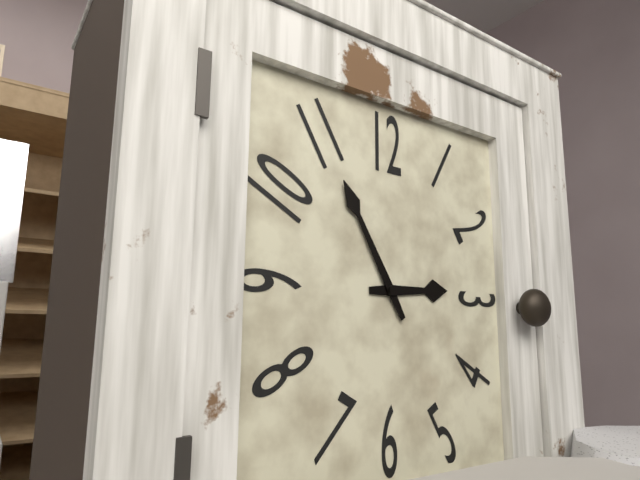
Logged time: 2 h 55 min
